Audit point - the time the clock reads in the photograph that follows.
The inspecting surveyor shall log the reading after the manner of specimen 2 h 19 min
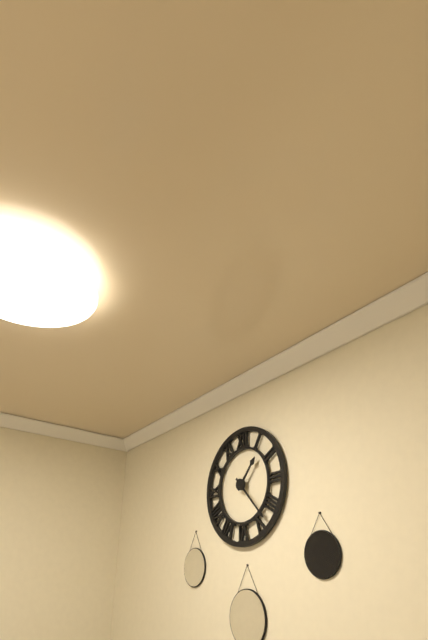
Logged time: 1 h 23 min
